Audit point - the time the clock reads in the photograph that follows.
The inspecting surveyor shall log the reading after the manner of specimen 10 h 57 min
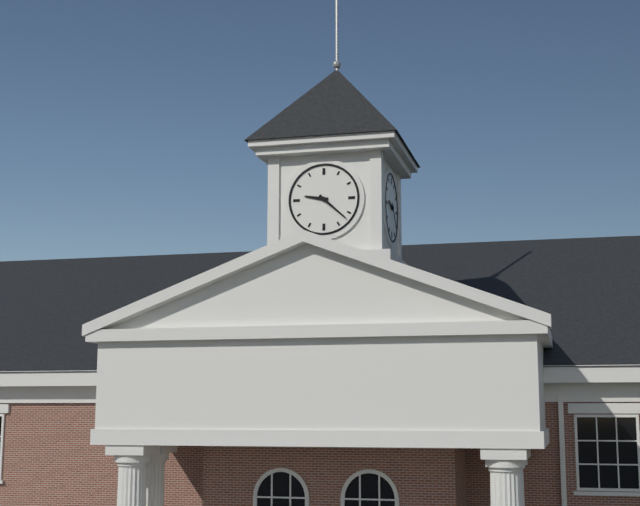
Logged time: 9 h 22 min
